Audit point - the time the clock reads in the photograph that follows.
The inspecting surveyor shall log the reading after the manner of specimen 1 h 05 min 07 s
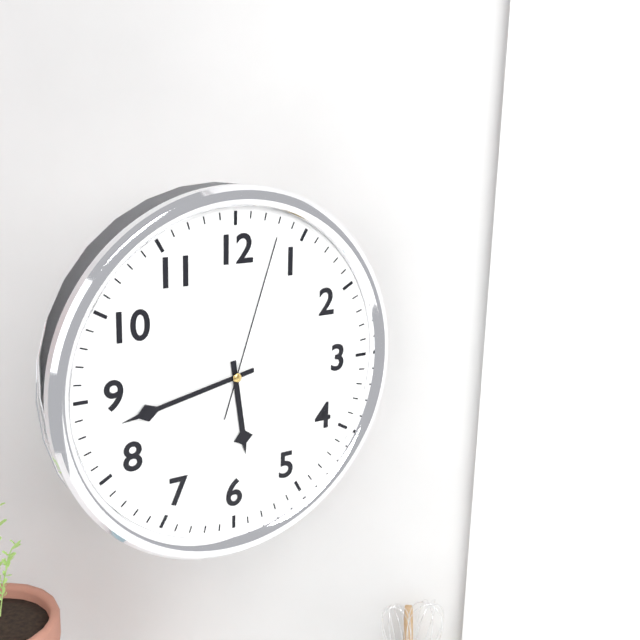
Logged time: 5 h 43 min 03 s
